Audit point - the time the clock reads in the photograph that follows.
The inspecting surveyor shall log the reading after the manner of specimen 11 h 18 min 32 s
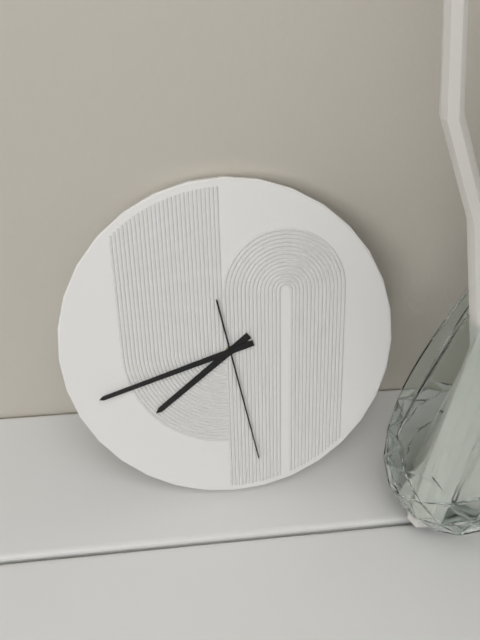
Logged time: 7 h 42 min 28 s
